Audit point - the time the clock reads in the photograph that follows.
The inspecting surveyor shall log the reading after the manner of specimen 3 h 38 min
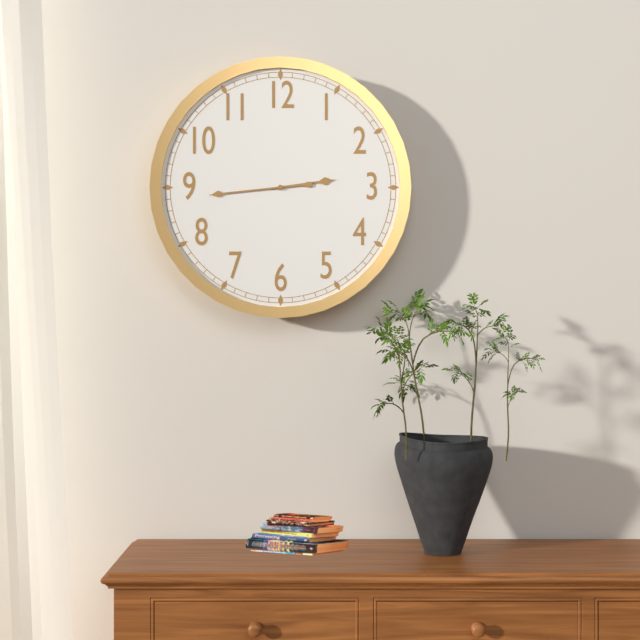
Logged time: 2 h 44 min
